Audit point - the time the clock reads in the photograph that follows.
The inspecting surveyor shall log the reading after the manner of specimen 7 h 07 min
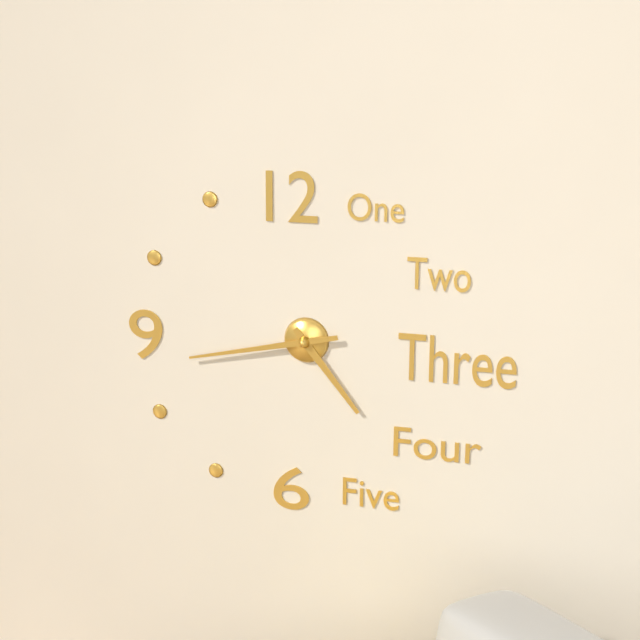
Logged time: 4 h 43 min
